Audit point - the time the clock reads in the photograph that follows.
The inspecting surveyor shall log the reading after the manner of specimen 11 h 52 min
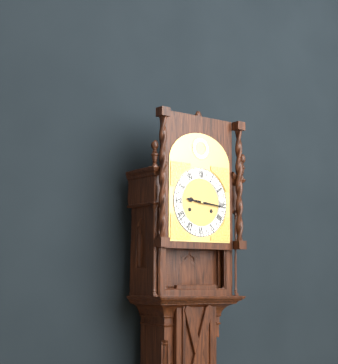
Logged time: 9 h 16 min
